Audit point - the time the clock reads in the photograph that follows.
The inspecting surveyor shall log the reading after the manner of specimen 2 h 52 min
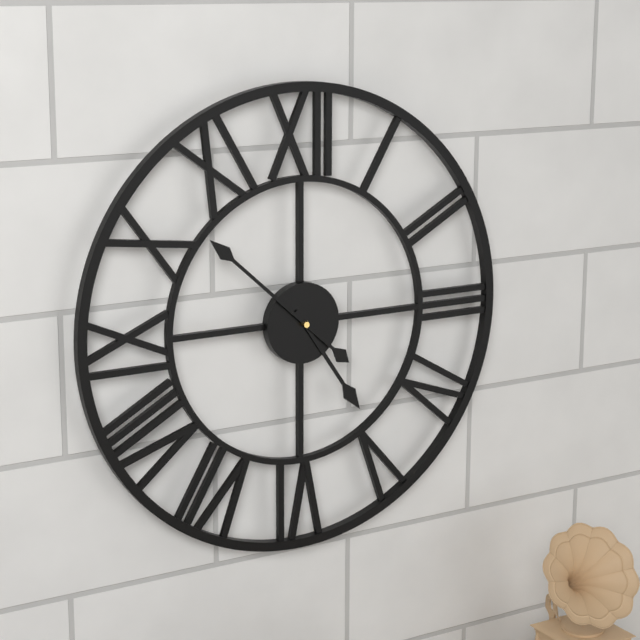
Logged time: 4 h 52 min
